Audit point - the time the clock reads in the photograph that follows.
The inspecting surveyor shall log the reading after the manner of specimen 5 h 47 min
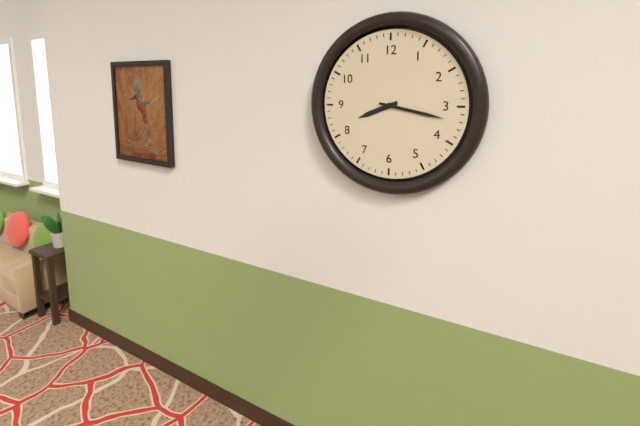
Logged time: 8 h 17 min
